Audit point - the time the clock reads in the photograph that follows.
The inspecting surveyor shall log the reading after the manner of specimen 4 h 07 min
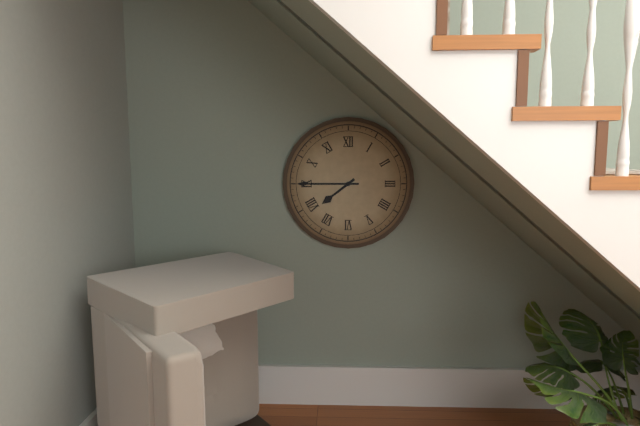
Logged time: 7 h 45 min
